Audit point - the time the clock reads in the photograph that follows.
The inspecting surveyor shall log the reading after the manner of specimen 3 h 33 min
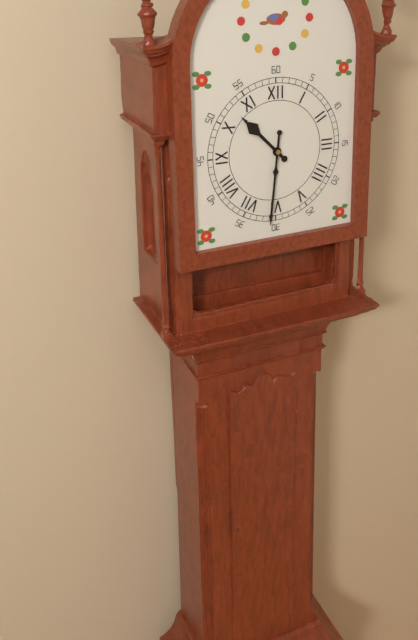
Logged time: 10 h 31 min
